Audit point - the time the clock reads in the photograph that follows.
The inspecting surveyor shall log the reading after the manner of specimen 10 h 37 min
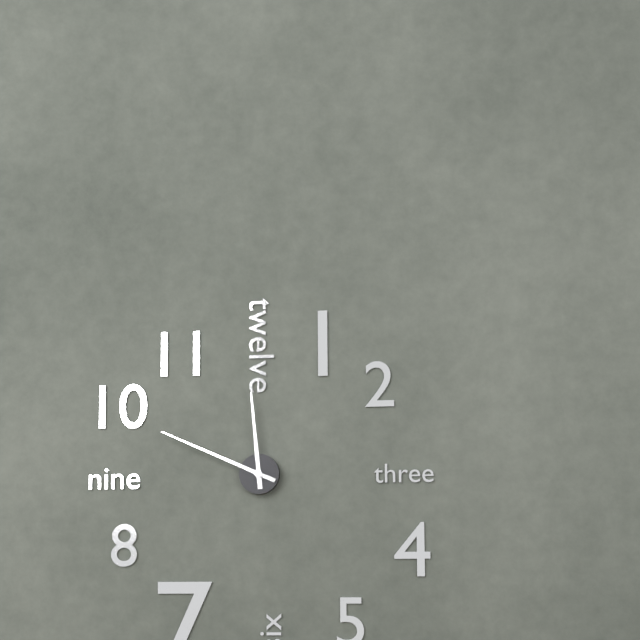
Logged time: 11 h 49 min
